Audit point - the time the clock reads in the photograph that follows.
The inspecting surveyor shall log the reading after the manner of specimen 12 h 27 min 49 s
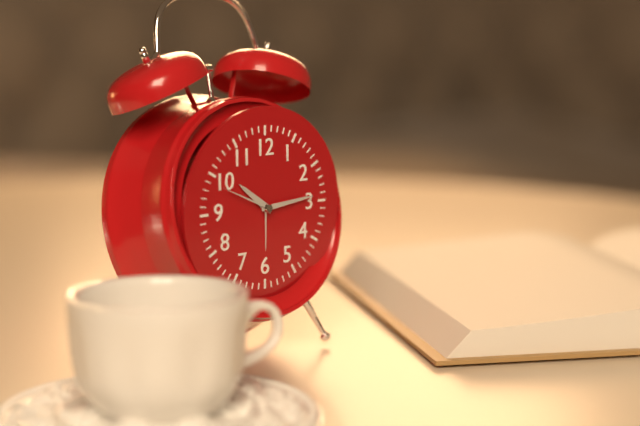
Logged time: 10 h 14 min 49 s
